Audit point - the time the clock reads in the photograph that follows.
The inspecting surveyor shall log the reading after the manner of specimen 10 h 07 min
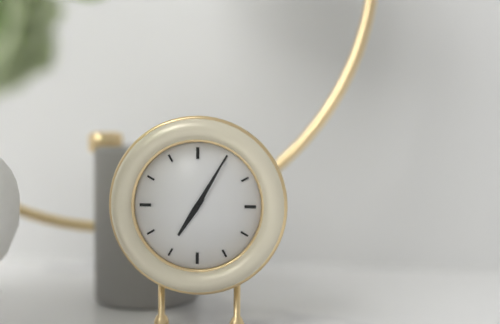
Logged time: 7 h 05 min
